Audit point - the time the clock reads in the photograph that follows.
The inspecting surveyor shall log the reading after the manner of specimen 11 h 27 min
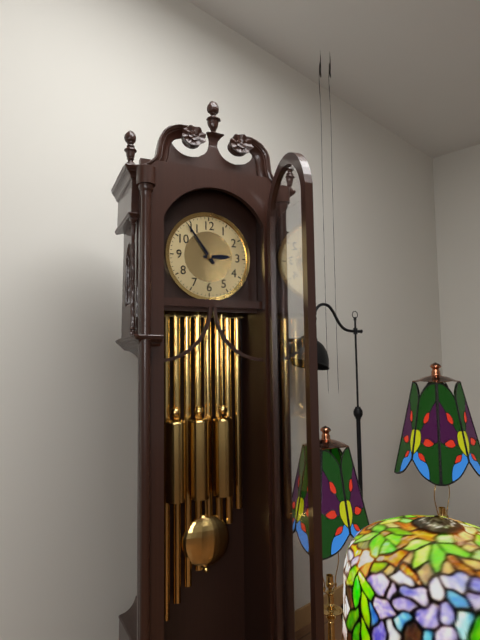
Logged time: 2 h 54 min
